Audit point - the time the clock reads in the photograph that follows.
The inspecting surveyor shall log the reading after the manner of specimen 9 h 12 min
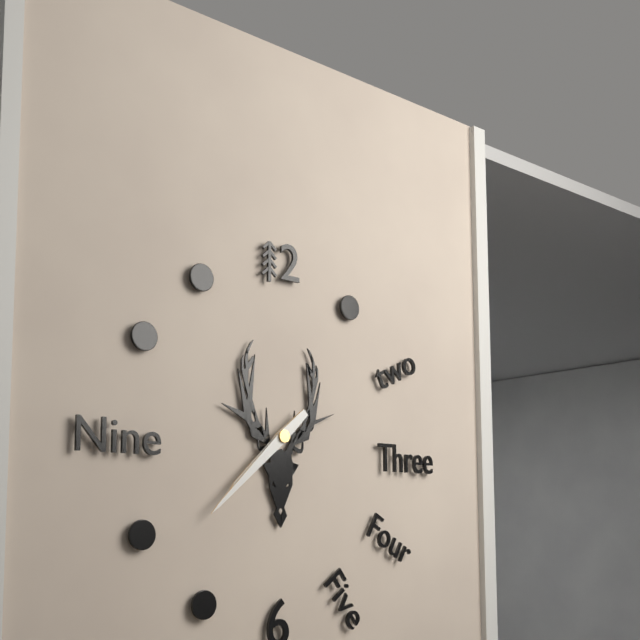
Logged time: 7 h 38 min
